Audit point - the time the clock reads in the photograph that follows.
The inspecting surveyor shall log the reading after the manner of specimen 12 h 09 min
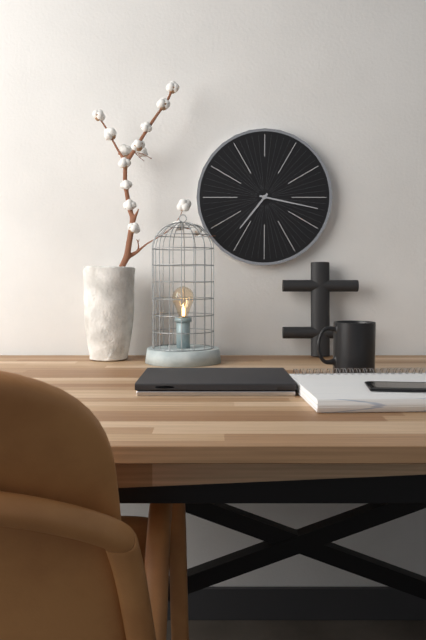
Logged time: 7 h 17 min
